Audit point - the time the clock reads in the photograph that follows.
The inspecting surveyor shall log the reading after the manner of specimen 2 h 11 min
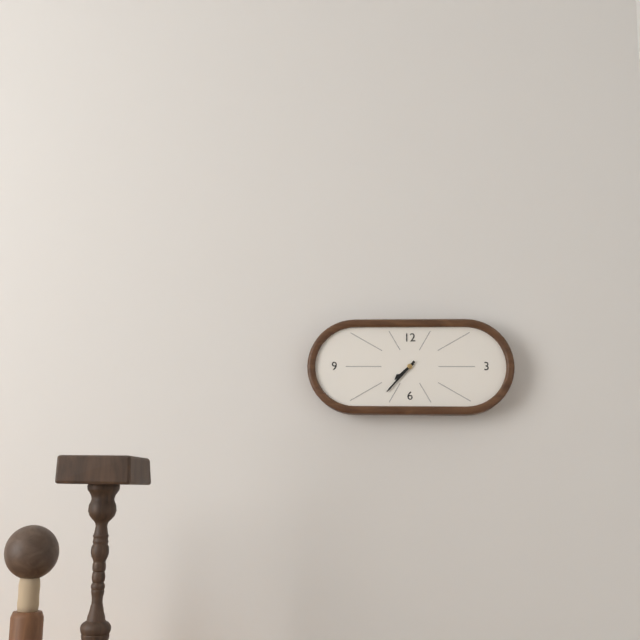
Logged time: 7 h 37 min
